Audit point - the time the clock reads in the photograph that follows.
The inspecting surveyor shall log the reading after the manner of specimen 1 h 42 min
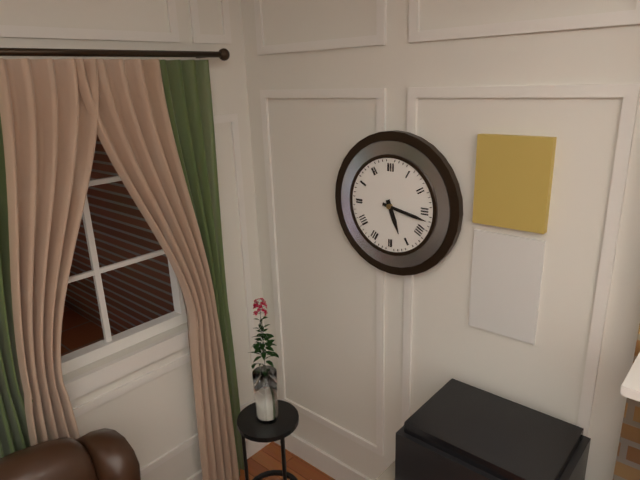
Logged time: 5 h 17 min
